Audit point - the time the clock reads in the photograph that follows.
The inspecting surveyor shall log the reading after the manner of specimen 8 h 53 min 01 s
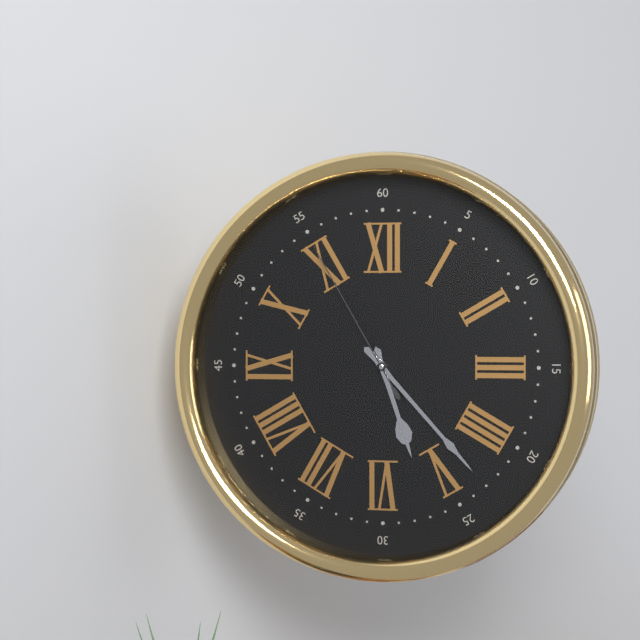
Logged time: 5 h 23 min 55 s
